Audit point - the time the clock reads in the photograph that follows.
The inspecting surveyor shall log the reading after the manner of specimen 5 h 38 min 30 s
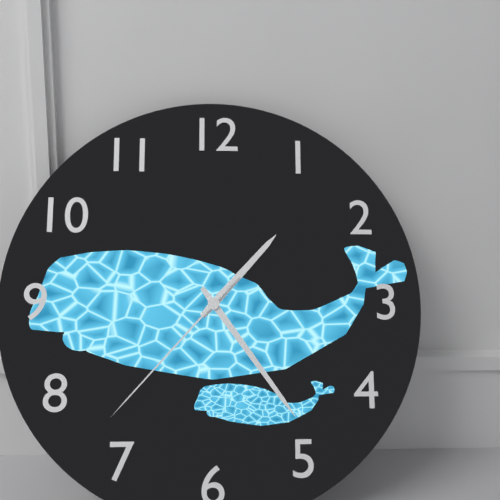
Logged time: 1 h 24 min 37 s
